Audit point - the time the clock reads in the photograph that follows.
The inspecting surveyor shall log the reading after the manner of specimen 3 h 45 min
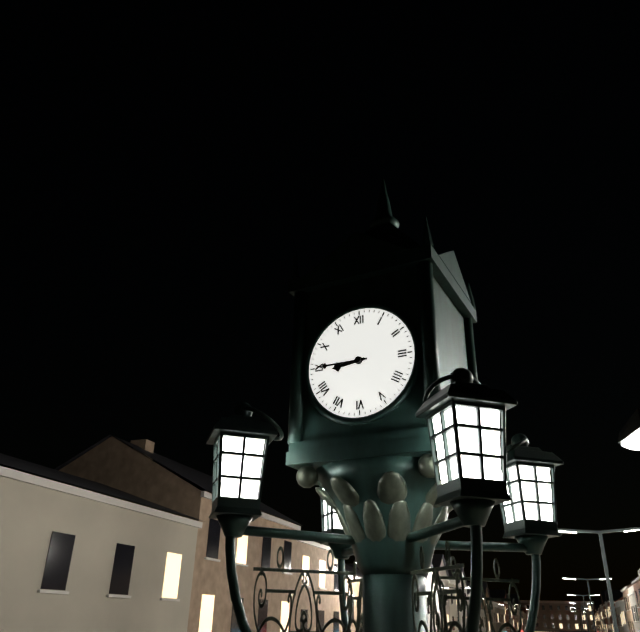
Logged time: 8 h 45 min
